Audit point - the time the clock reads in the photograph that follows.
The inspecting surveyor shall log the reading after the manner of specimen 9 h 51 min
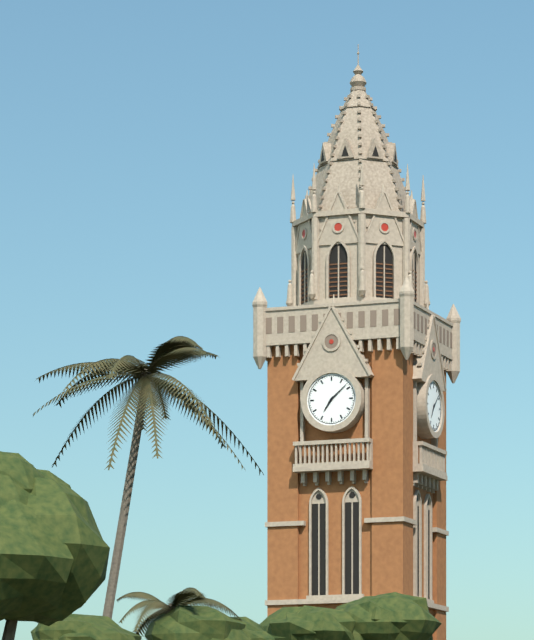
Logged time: 7 h 08 min
